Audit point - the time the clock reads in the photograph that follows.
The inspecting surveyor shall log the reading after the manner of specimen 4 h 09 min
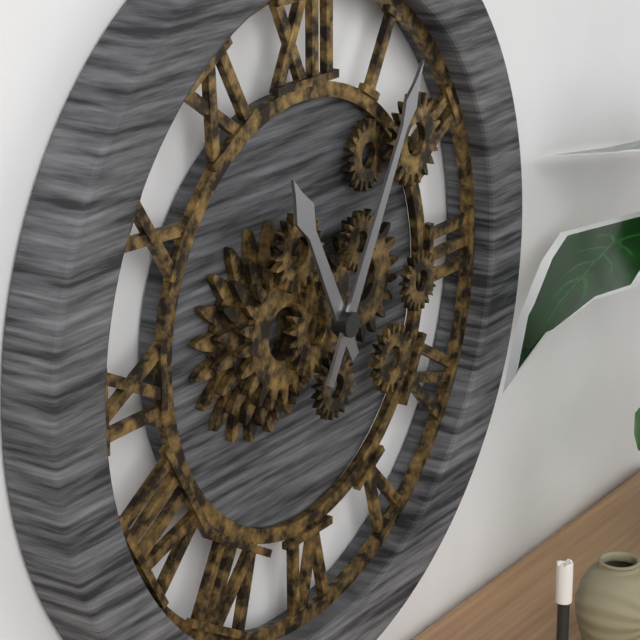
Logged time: 11 h 05 min
